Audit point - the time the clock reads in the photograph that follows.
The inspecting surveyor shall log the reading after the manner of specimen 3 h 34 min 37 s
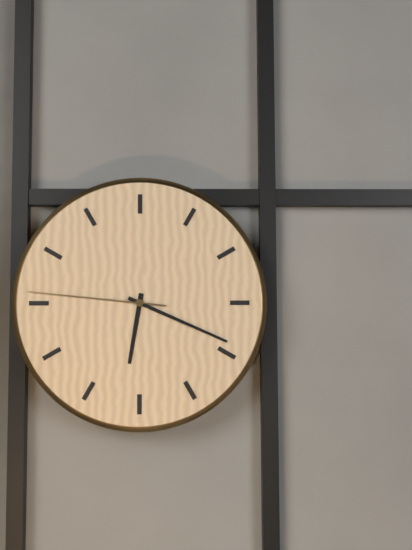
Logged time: 6 h 19 min 46 s
